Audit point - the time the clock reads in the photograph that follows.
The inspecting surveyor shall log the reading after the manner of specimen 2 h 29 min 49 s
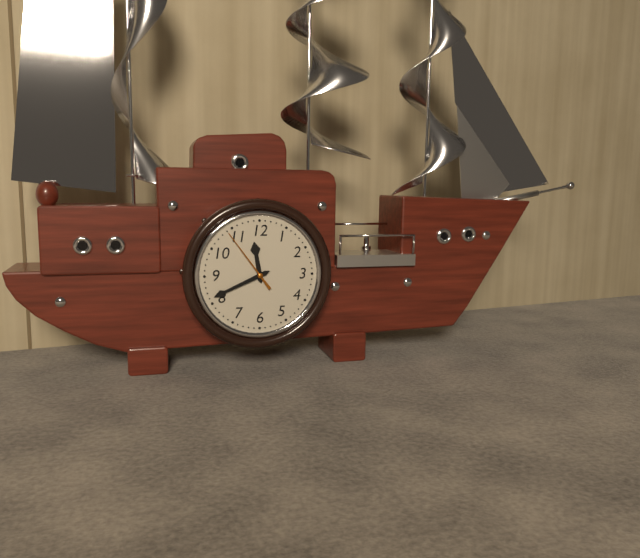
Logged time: 11 h 41 min 54 s
